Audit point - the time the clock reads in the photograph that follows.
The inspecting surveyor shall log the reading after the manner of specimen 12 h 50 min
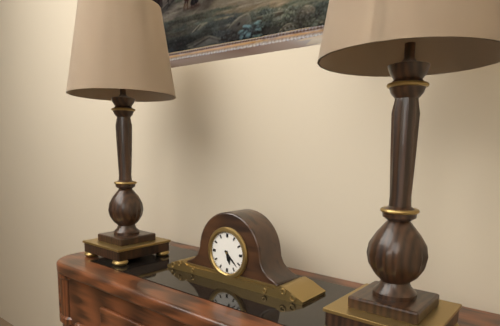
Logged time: 5 h 22 min
